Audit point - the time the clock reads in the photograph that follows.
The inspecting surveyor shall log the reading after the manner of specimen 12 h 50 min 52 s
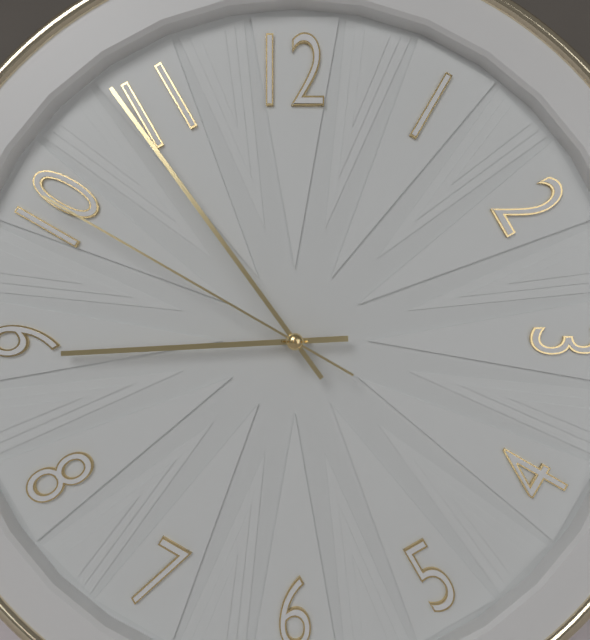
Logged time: 8 h 54 min 50 s
